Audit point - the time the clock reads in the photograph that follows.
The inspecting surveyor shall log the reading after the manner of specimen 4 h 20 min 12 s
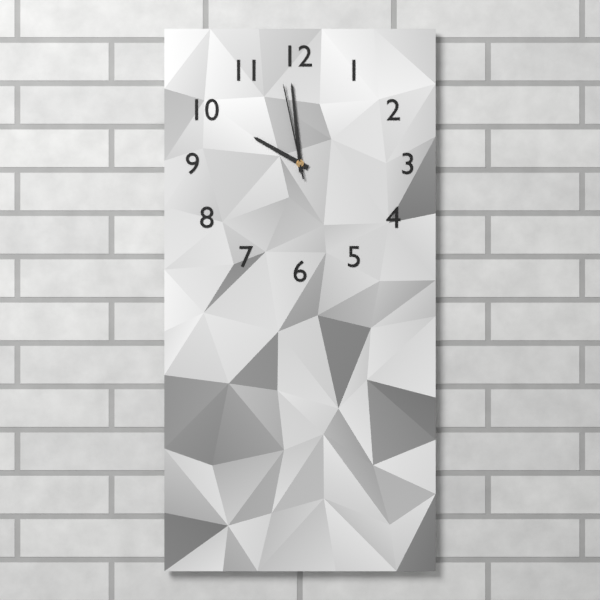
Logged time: 9 h 59 min 58 s
